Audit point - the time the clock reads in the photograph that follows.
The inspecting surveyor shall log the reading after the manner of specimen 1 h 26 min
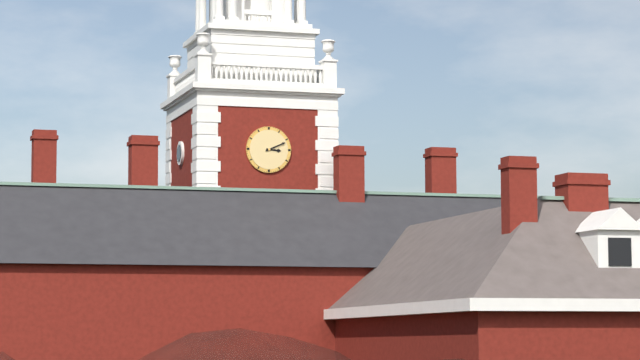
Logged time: 3 h 11 min
